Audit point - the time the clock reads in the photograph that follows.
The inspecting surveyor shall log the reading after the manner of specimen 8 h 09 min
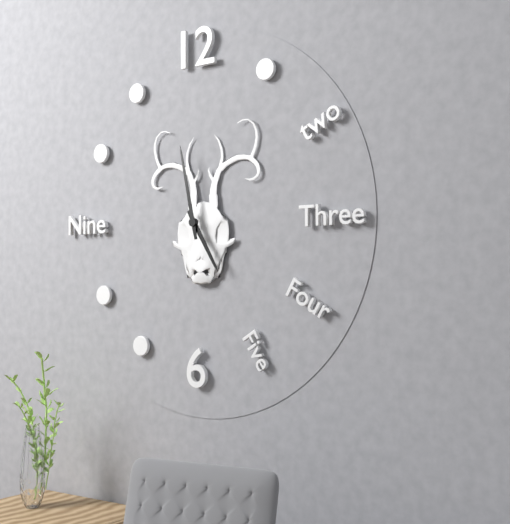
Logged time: 4 h 58 min
